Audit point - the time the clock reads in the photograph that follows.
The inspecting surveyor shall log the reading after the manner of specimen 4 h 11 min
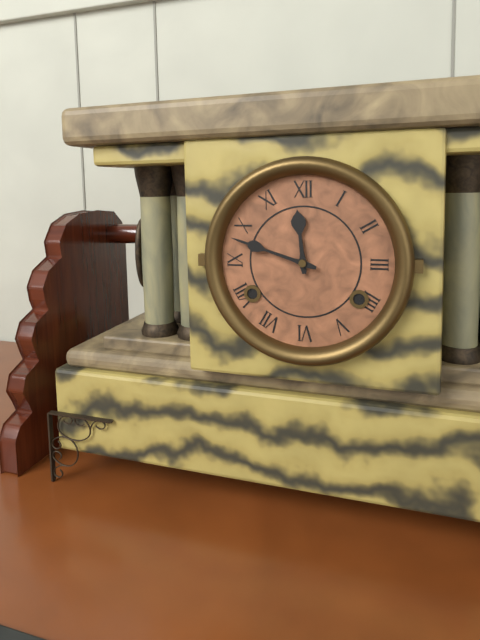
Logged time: 11 h 48 min
